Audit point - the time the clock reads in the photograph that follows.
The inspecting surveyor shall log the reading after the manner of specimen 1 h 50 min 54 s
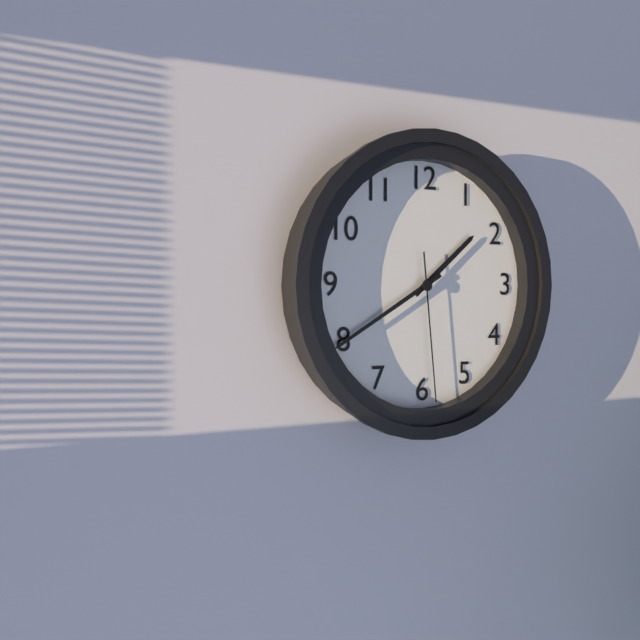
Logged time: 1 h 40 min 29 s
